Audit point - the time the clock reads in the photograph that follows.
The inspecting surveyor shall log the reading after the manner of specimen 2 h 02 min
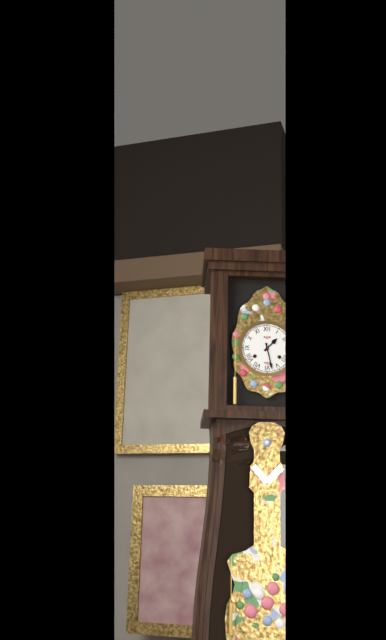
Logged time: 1 h 28 min
